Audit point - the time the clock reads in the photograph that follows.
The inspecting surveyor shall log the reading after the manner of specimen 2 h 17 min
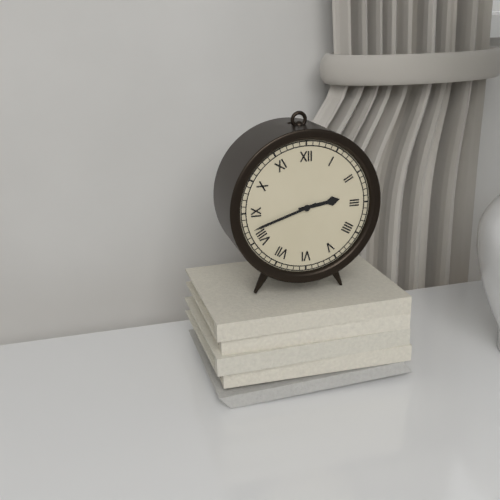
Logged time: 2 h 42 min
